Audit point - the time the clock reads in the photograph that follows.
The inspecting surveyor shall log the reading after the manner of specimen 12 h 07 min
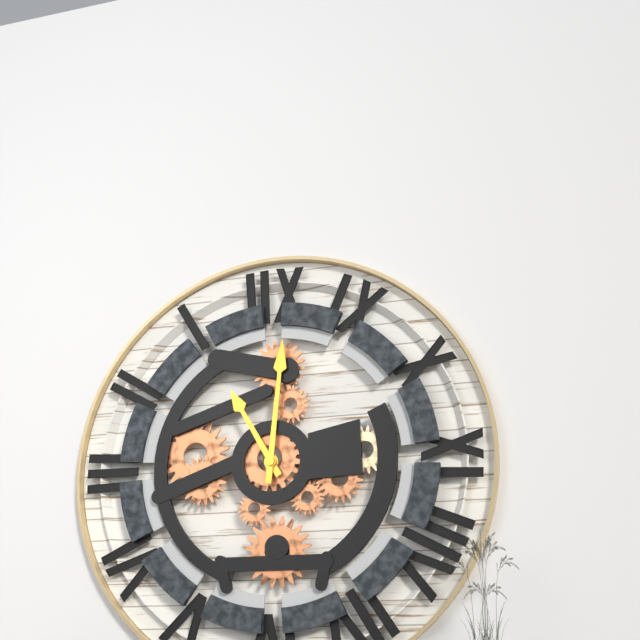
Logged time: 11 h 01 min
